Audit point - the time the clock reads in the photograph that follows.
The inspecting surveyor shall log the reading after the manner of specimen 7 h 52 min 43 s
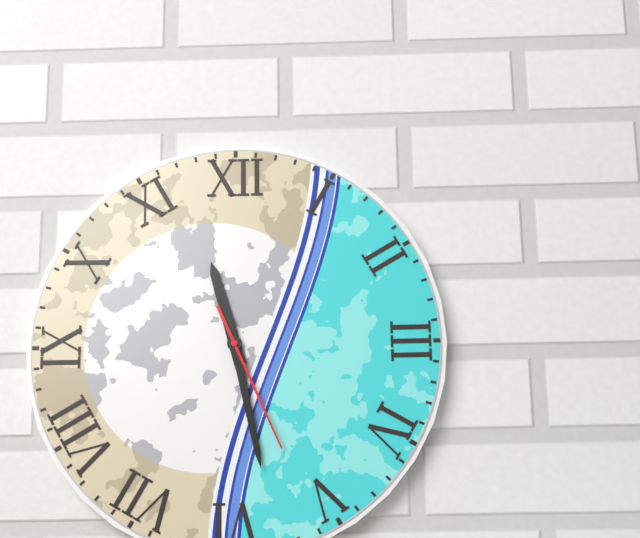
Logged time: 11 h 28 min 26 s
